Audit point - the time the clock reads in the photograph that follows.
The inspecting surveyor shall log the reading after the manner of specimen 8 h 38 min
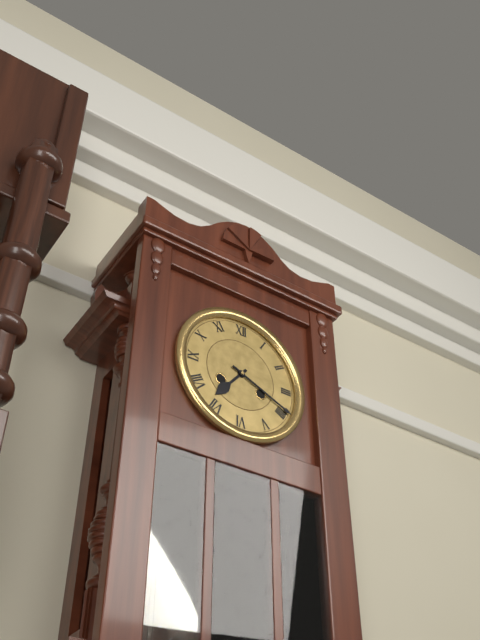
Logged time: 7 h 19 min
